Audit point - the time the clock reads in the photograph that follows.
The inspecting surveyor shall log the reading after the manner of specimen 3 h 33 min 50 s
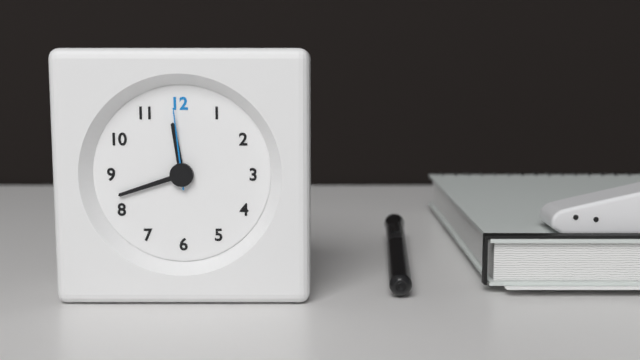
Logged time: 11 h 42 min 59 s
